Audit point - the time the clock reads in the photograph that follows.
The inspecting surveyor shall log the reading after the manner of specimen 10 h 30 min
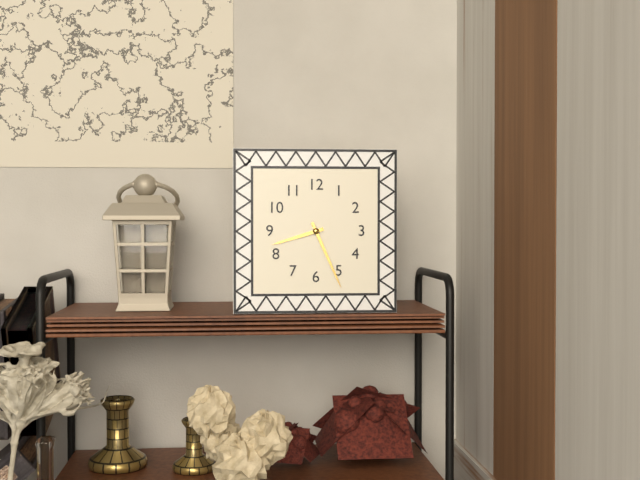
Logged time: 8 h 26 min
